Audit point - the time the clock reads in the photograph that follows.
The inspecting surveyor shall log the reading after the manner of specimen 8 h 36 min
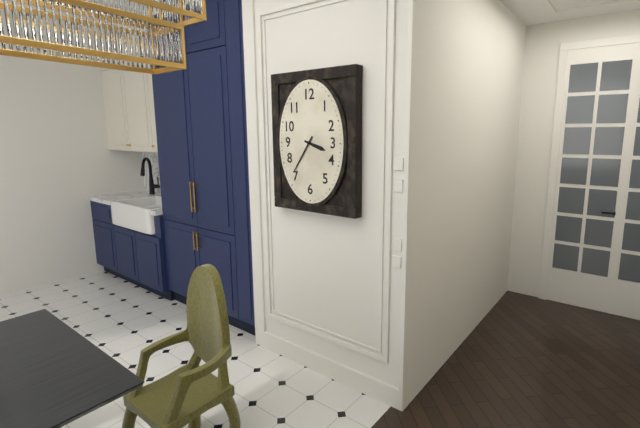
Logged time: 3 h 36 min
